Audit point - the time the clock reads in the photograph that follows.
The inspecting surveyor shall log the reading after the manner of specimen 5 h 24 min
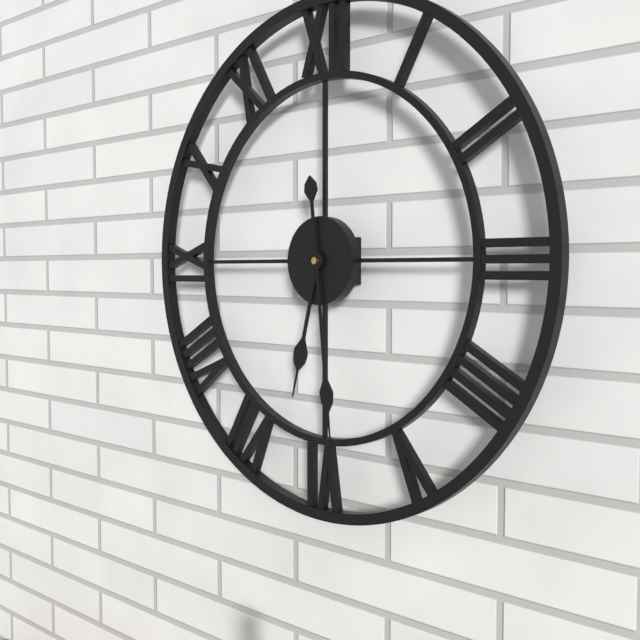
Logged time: 6 h 29 min
